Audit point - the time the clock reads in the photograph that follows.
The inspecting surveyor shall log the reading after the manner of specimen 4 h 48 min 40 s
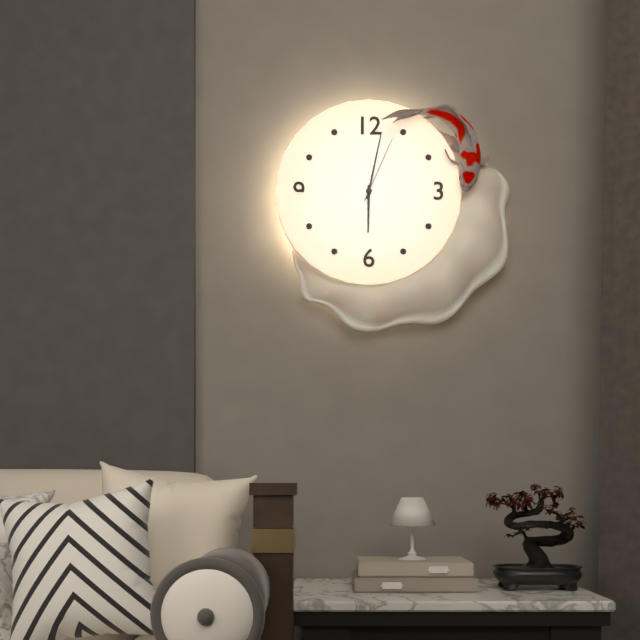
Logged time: 6 h 02 min 04 s
